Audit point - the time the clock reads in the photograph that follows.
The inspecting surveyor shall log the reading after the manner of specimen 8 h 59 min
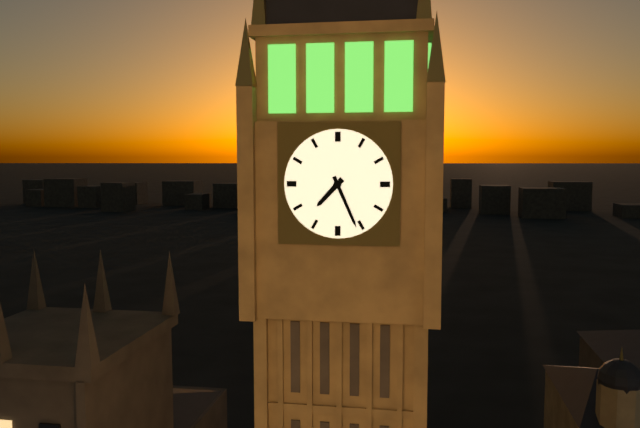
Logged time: 7 h 26 min
